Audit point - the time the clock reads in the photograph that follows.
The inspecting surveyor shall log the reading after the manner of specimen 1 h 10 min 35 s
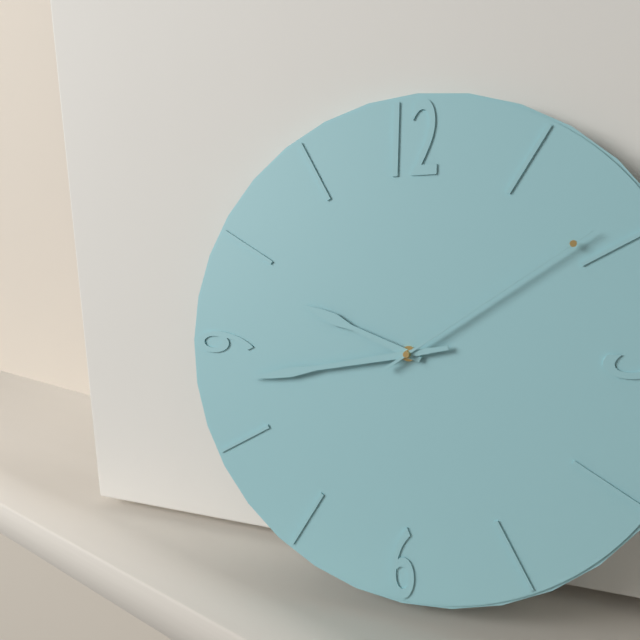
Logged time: 9 h 43 min 09 s
